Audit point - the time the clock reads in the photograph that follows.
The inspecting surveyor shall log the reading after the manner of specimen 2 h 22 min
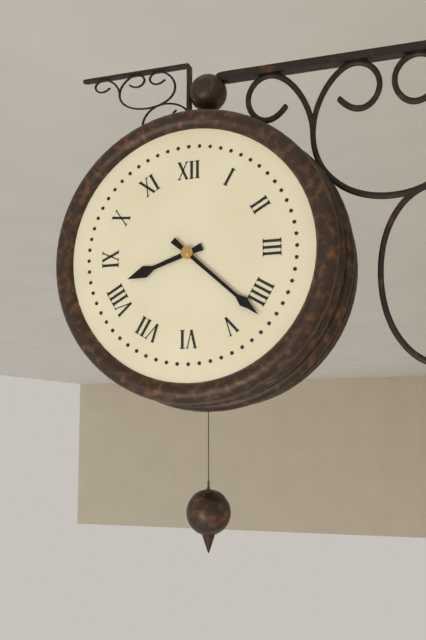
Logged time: 8 h 22 min
